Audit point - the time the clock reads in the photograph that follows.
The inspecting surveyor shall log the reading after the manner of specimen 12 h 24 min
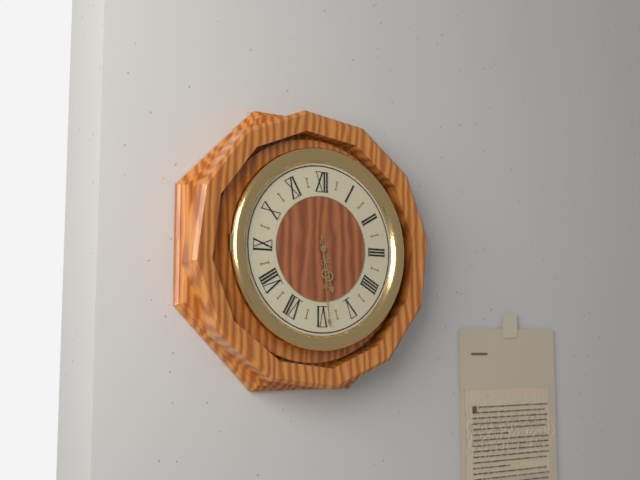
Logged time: 5 h 29 min
